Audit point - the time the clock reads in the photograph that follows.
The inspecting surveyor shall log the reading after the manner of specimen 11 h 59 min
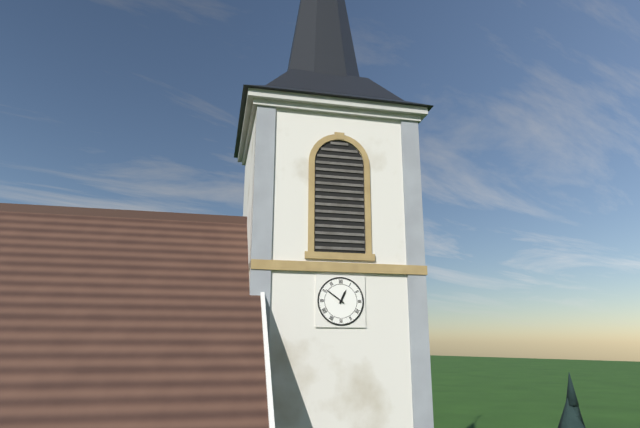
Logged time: 12 h 51 min
